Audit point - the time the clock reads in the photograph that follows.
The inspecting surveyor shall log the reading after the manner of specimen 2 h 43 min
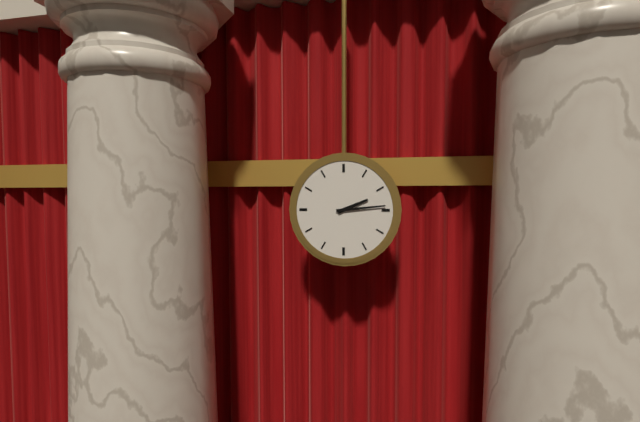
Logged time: 2 h 14 min
